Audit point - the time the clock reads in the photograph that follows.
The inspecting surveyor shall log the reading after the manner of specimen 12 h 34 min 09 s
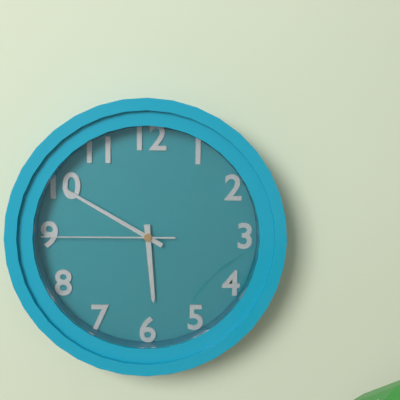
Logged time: 5 h 50 min 45 s
